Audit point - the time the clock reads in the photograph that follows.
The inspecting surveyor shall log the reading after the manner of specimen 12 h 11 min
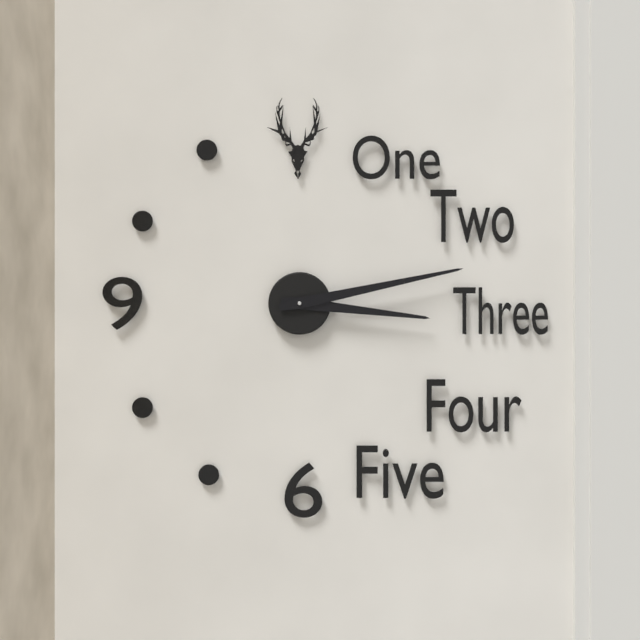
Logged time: 3 h 13 min
